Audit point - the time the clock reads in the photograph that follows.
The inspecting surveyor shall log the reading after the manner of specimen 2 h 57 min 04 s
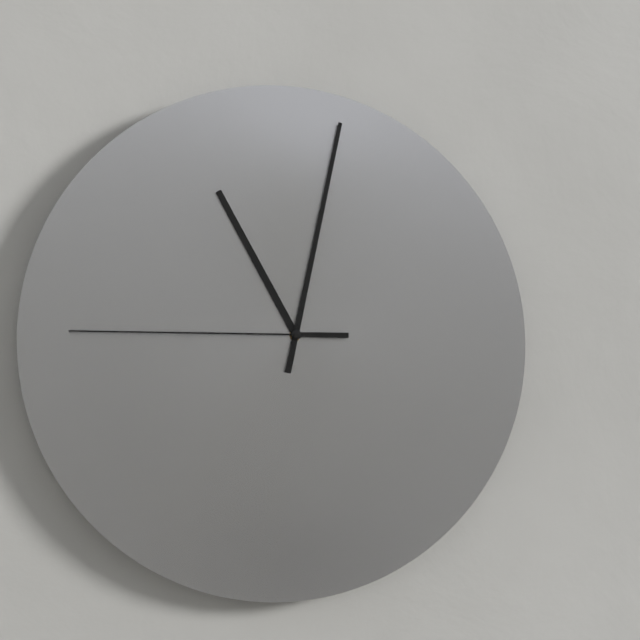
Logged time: 11 h 02 min 45 s
